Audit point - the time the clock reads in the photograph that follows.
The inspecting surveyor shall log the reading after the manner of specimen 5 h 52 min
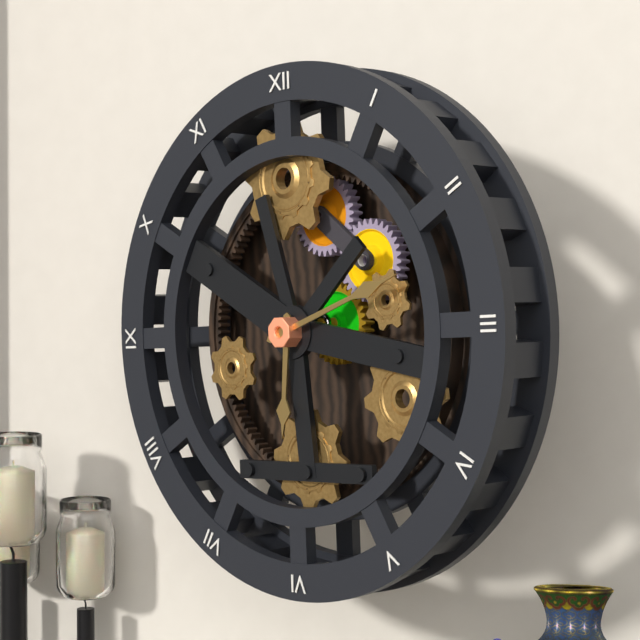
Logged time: 6 h 12 min
